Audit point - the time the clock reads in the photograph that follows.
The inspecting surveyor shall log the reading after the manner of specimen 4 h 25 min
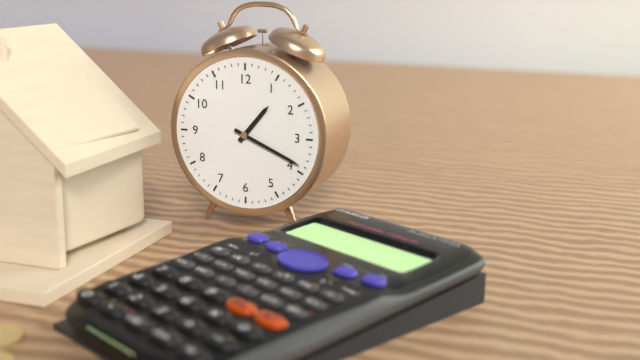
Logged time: 1 h 19 min
